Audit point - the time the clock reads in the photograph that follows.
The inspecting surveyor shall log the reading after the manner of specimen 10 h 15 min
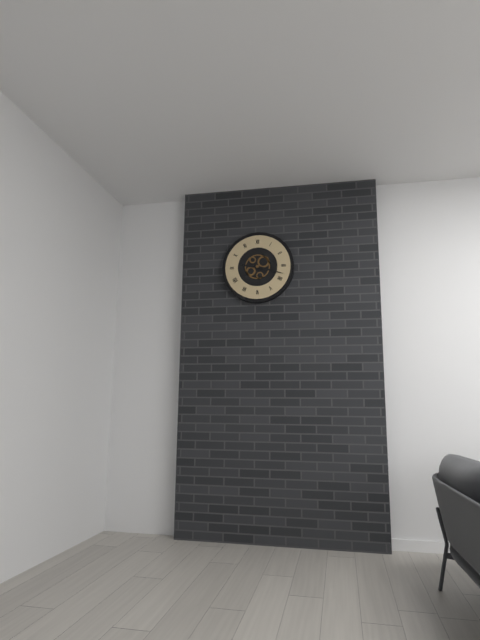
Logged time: 9 h 18 min
